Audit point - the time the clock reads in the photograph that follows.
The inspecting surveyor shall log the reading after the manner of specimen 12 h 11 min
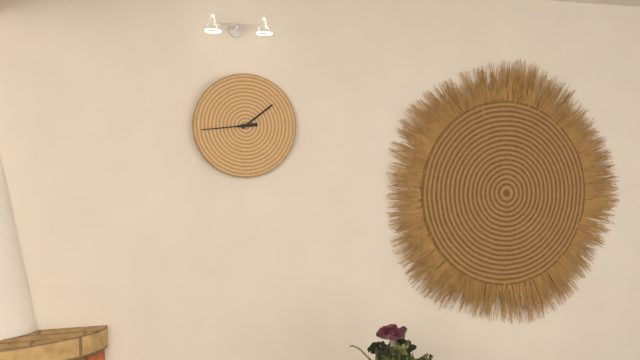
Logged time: 1 h 44 min
